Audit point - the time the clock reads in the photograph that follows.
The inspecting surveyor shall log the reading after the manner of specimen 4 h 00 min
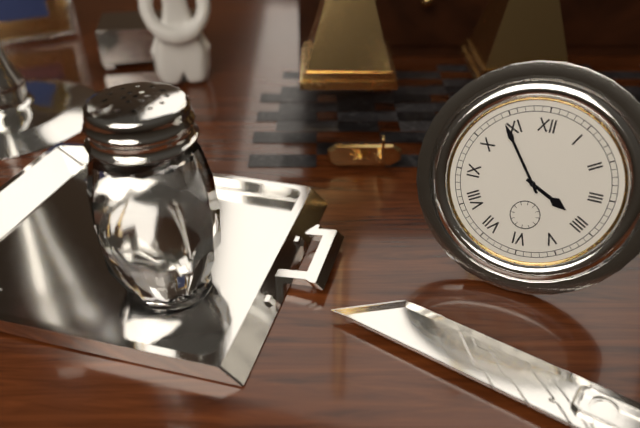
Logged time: 3 h 54 min
